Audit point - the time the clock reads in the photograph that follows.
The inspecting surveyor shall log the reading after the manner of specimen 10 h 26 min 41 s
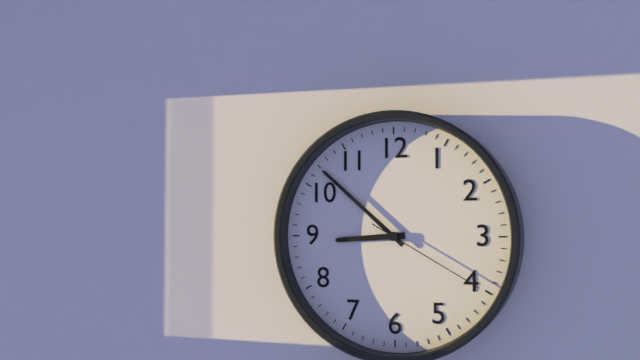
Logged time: 8 h 52 min 20 s
